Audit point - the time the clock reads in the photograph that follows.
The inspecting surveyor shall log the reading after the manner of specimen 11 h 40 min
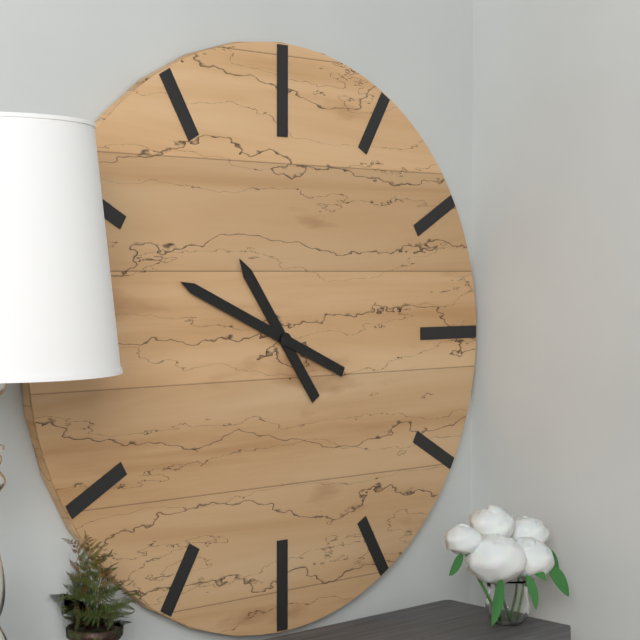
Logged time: 10 h 49 min
